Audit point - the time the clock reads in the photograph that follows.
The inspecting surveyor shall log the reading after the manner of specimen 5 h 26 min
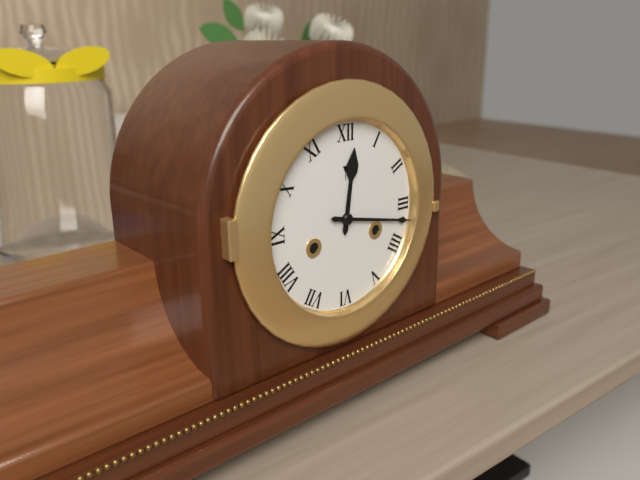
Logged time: 12 h 17 min
